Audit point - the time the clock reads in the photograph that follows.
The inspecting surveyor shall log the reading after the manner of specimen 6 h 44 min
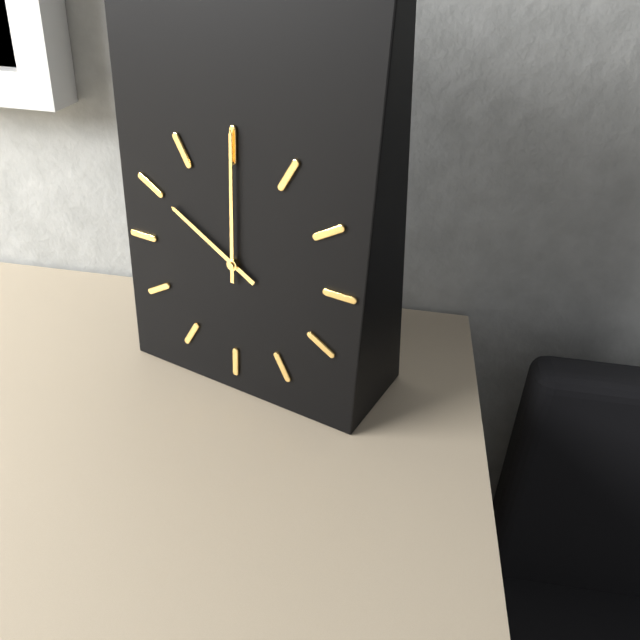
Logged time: 10 h 00 min
